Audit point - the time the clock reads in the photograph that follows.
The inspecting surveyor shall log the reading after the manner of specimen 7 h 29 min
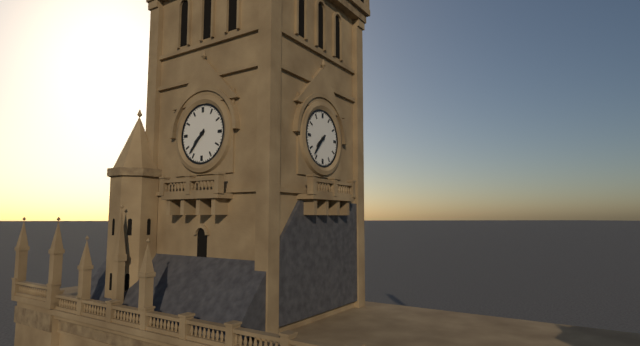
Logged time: 7 h 37 min
